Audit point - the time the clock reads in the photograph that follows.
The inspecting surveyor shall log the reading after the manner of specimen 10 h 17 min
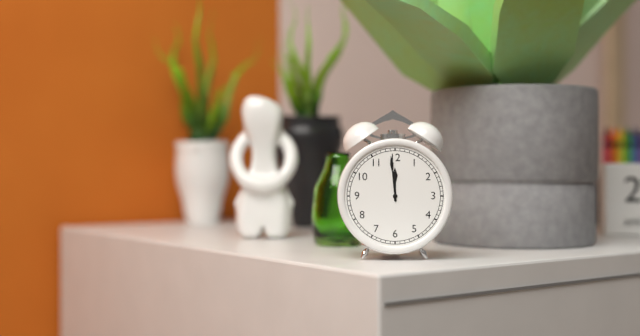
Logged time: 11 h 59 min
